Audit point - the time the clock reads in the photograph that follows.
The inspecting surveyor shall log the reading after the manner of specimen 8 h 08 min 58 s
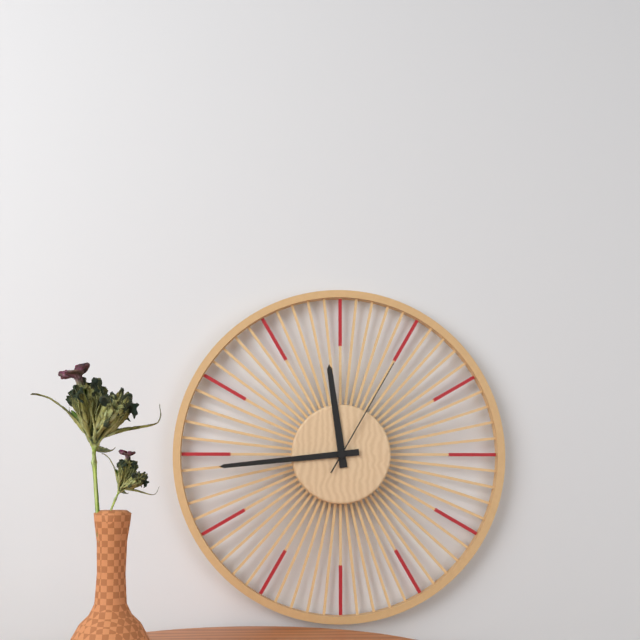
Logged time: 11 h 44 min 05 s
